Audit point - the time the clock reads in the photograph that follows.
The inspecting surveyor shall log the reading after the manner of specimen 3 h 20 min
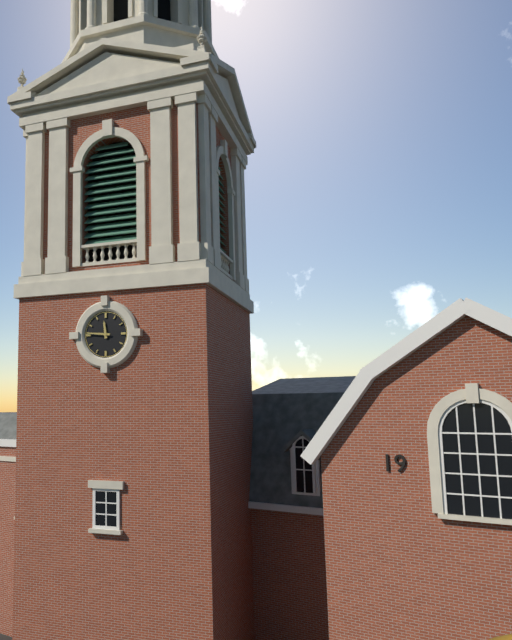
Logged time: 11 h 46 min
